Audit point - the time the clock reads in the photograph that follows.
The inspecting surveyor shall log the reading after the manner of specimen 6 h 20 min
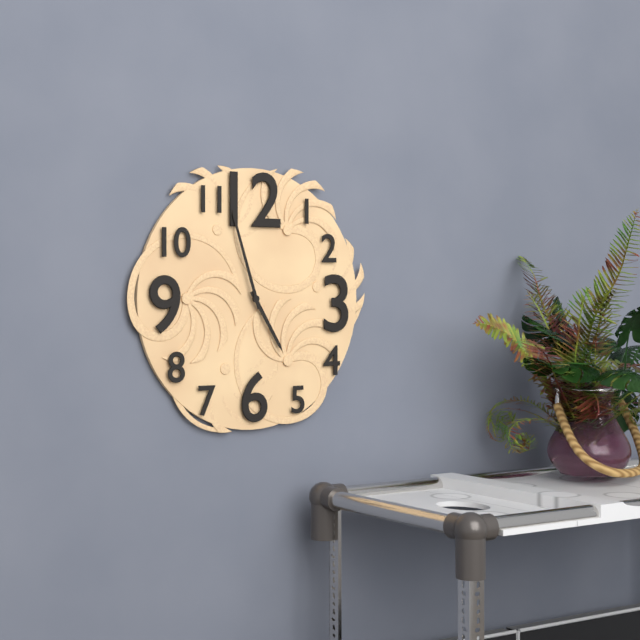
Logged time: 4 h 57 min
